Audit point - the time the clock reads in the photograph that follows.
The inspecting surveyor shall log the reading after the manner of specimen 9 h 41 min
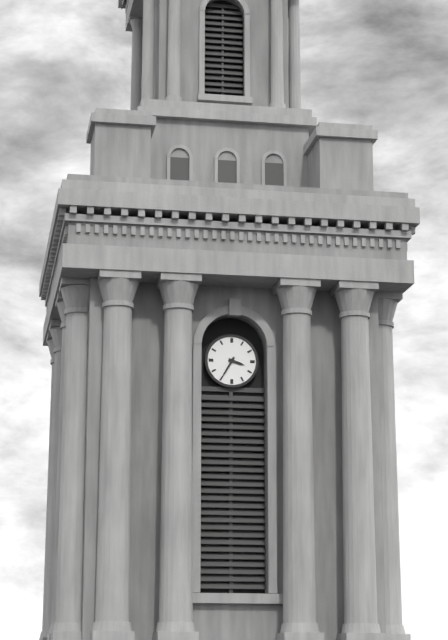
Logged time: 3 h 35 min
